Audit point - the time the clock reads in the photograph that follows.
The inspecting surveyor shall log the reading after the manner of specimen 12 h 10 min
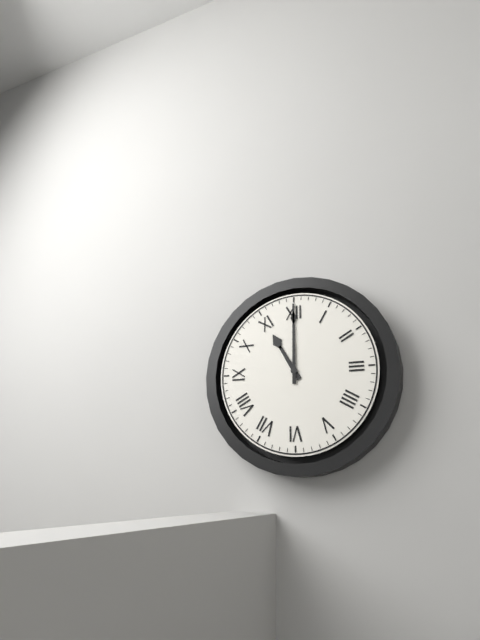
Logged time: 11 h 00 min
